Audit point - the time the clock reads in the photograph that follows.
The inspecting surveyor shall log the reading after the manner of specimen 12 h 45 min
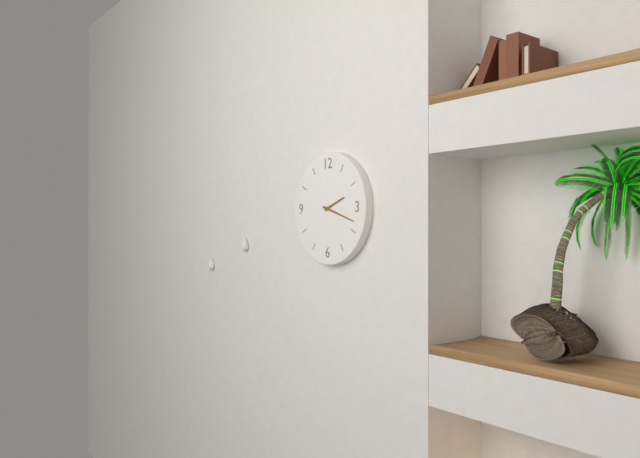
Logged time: 2 h 18 min
